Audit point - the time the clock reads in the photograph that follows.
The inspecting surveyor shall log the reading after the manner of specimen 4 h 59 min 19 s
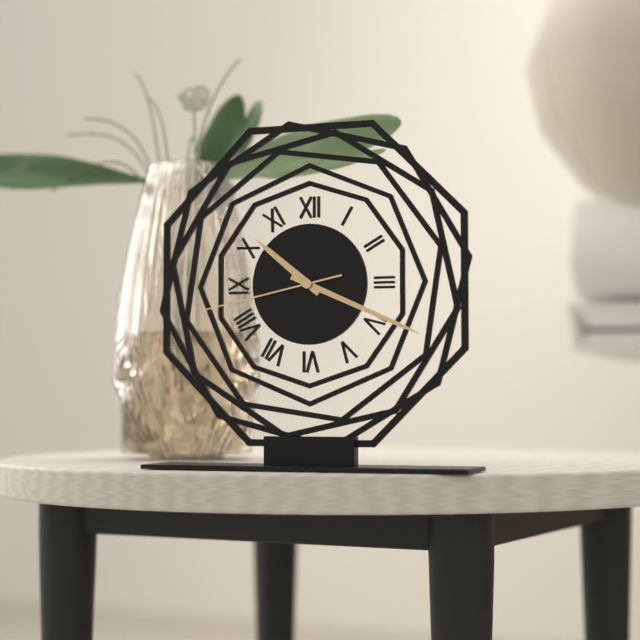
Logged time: 10 h 19 min 43 s
